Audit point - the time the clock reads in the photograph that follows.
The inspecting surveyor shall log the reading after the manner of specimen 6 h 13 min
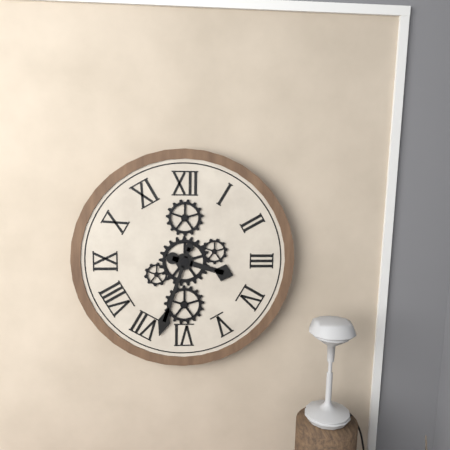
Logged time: 3 h 33 min
